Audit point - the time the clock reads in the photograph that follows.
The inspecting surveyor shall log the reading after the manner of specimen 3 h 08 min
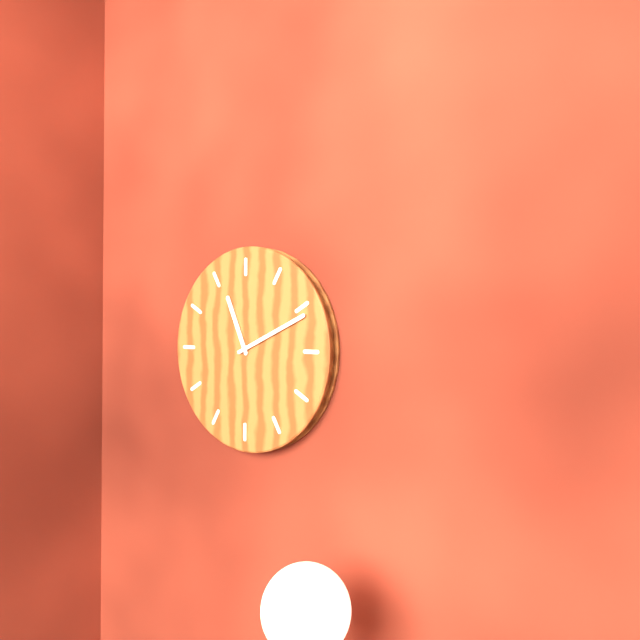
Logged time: 11 h 11 min
